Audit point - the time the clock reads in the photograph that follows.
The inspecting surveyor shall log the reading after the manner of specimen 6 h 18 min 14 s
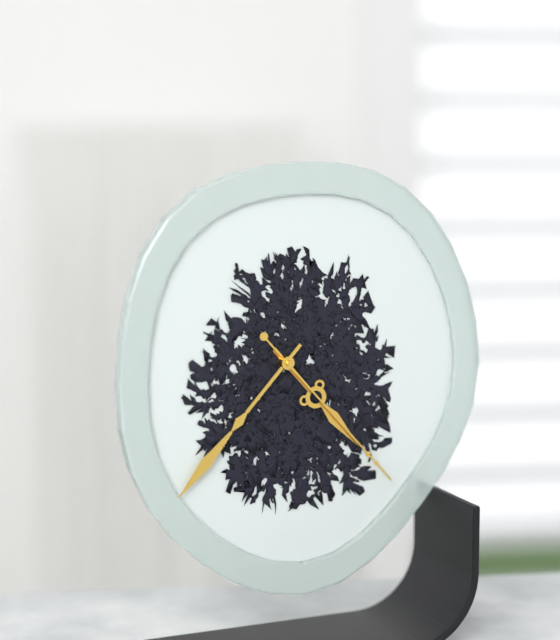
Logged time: 4 h 37 min 23 s
